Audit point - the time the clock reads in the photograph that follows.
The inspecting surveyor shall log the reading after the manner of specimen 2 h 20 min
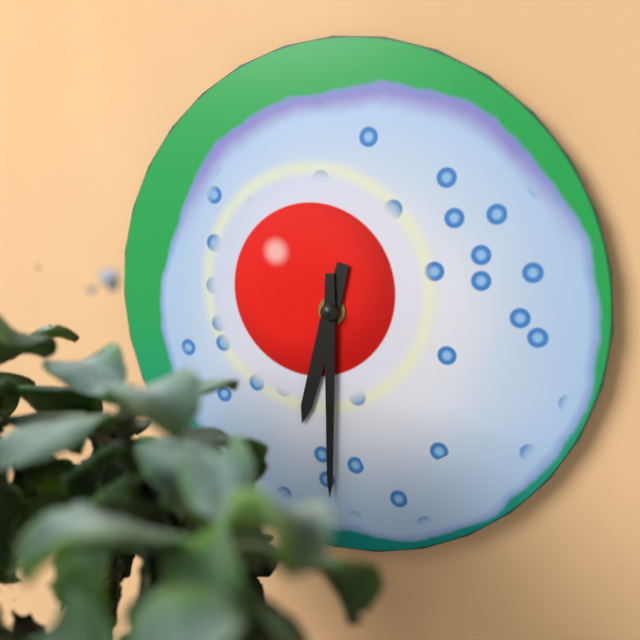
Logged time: 6 h 30 min
